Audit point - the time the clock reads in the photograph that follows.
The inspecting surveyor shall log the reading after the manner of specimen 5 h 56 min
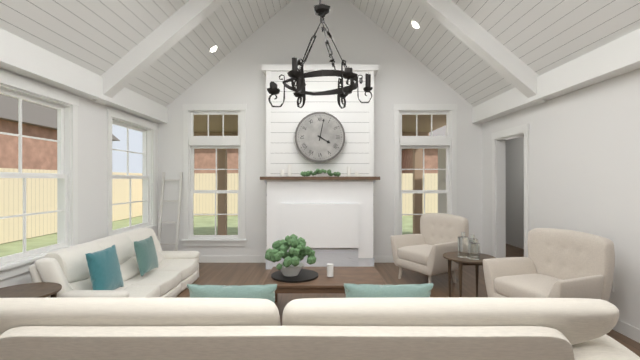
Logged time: 4 h 02 min
